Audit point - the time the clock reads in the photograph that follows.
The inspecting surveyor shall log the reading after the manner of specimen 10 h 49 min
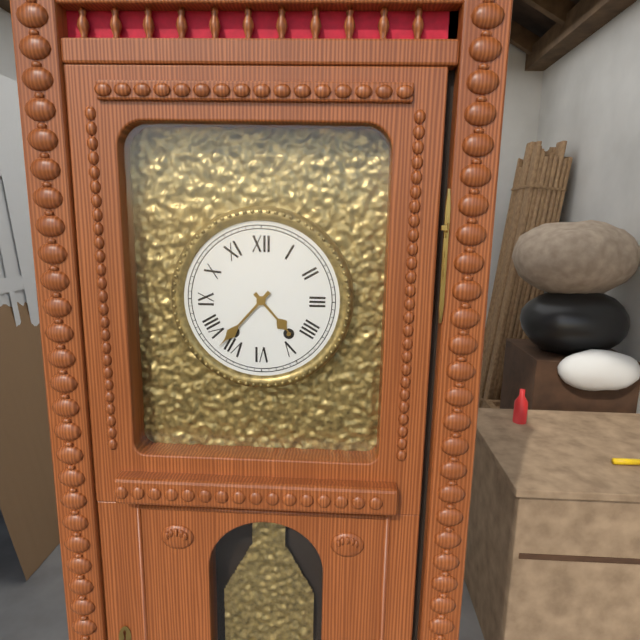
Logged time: 4 h 37 min
